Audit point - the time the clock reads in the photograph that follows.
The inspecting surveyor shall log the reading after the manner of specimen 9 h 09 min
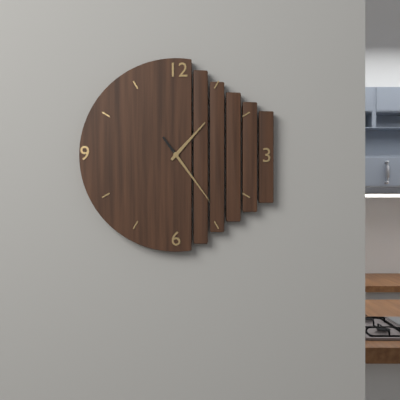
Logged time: 1 h 24 min
